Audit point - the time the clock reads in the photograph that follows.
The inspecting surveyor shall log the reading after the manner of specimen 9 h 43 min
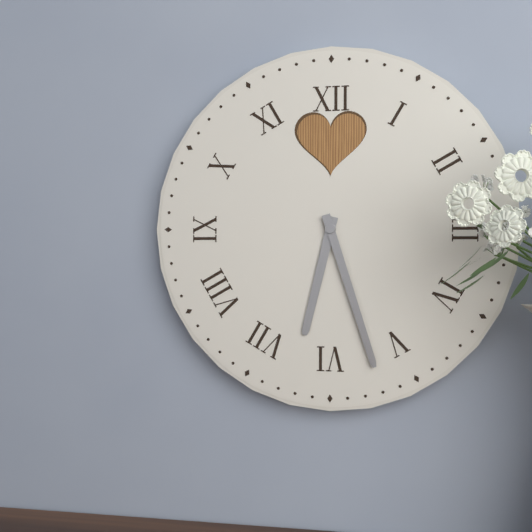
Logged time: 6 h 27 min
